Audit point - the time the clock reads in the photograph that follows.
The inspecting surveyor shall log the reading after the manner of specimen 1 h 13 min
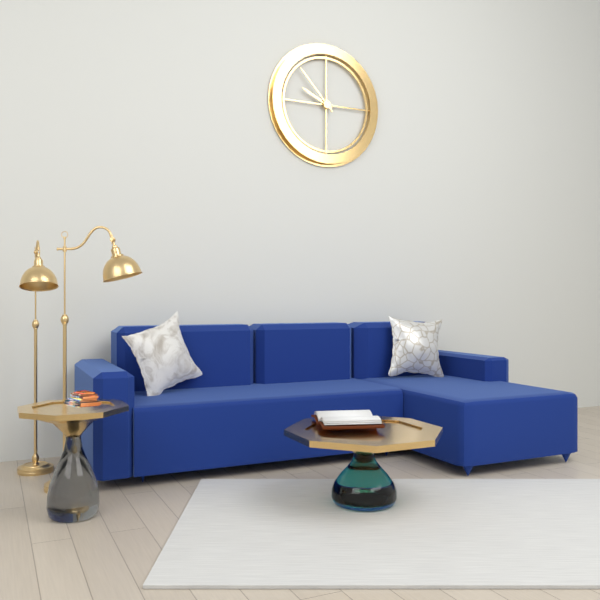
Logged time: 9 h 53 min
